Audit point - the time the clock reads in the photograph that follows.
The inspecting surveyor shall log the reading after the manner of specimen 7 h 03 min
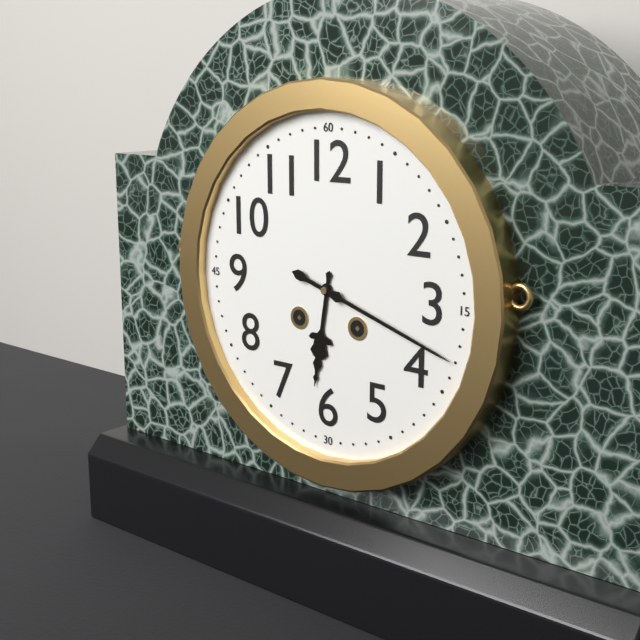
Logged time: 6 h 18 min
